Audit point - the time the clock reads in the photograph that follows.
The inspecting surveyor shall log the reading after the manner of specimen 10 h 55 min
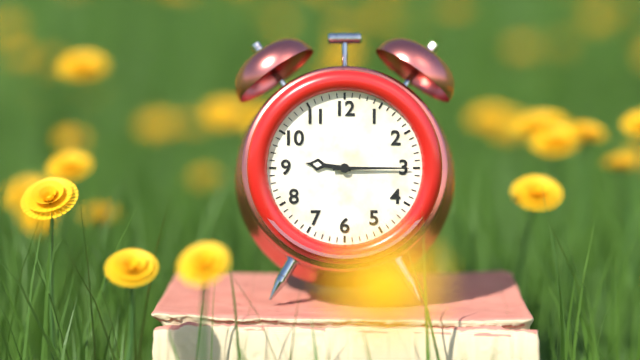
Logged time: 9 h 15 min
